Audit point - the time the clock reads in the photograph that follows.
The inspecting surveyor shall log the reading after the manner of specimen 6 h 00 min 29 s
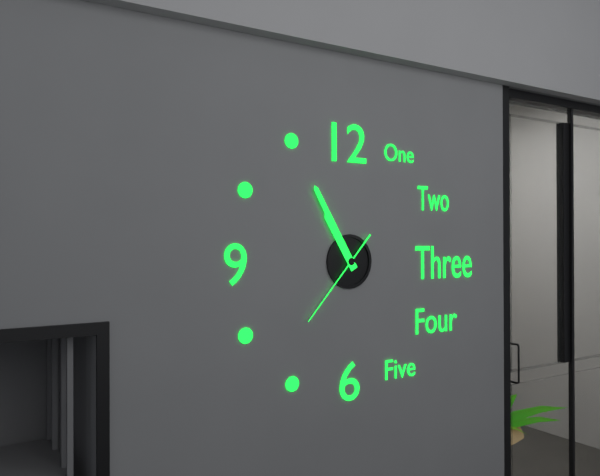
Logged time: 10 h 55 min 37 s
